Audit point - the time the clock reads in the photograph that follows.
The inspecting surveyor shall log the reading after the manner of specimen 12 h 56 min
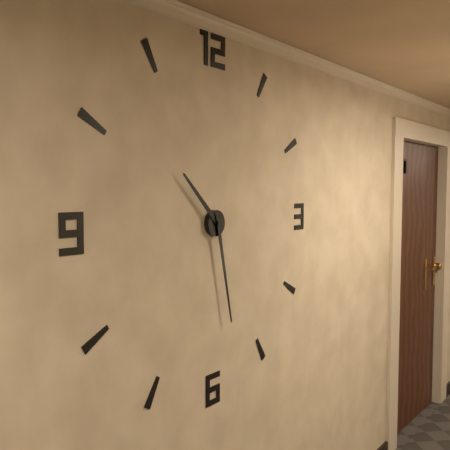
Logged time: 10 h 28 min
